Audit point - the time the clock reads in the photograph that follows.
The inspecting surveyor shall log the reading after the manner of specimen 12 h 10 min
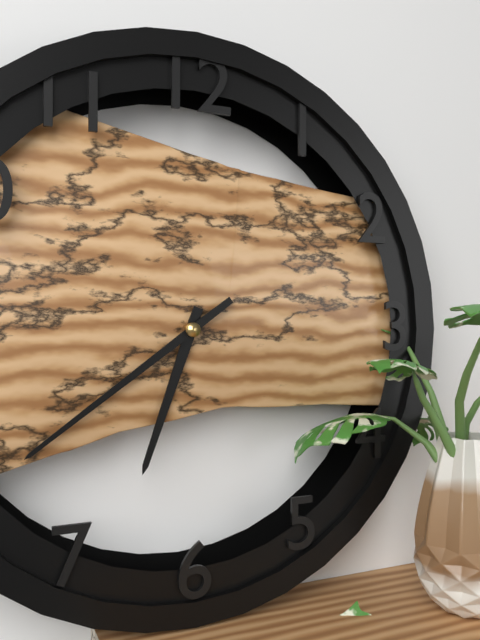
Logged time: 6 h 39 min
